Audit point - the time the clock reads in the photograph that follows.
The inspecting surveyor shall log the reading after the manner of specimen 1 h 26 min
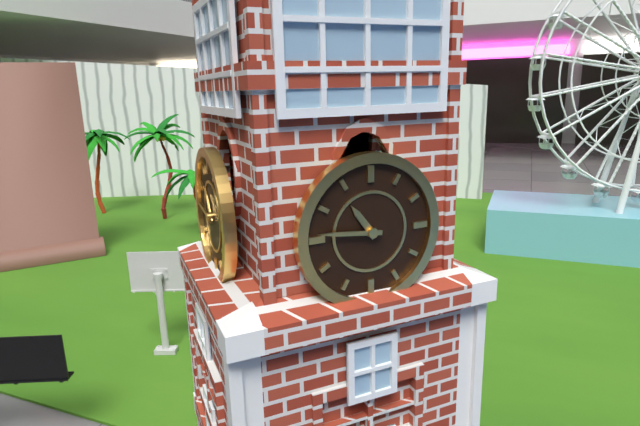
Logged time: 10 h 46 min
